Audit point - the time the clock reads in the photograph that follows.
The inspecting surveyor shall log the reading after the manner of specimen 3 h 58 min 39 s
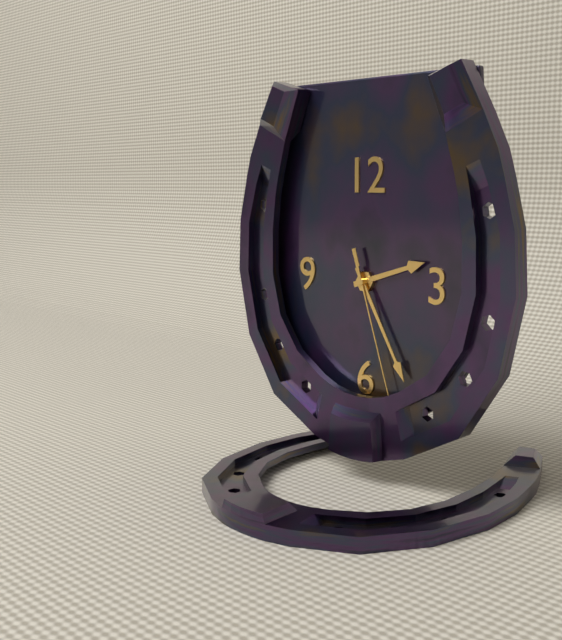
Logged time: 2 h 25 min 27 s
